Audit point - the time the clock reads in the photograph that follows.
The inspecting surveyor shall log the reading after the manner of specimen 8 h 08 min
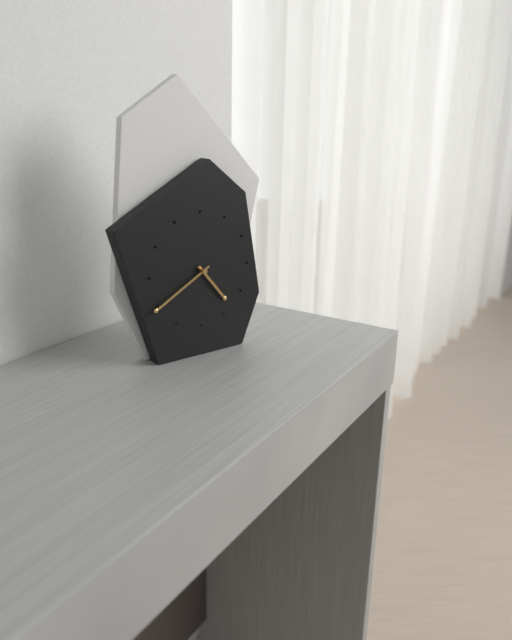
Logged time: 4 h 40 min
